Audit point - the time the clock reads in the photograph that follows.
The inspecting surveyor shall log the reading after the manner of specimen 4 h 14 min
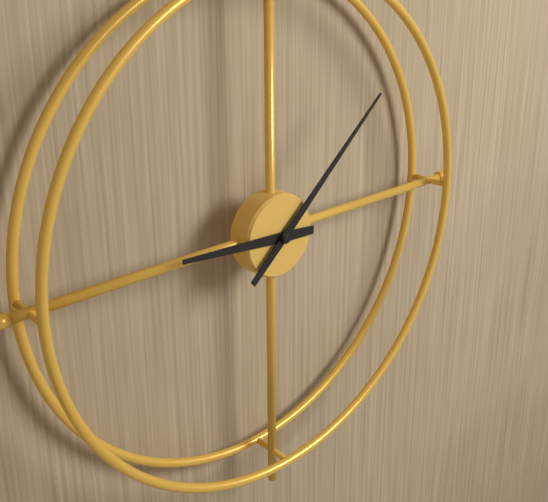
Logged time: 9 h 08 min
